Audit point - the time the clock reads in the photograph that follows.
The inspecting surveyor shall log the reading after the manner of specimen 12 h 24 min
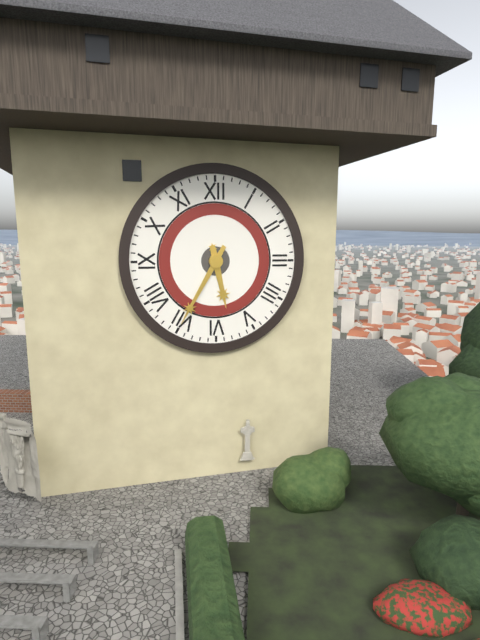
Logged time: 5 h 35 min
